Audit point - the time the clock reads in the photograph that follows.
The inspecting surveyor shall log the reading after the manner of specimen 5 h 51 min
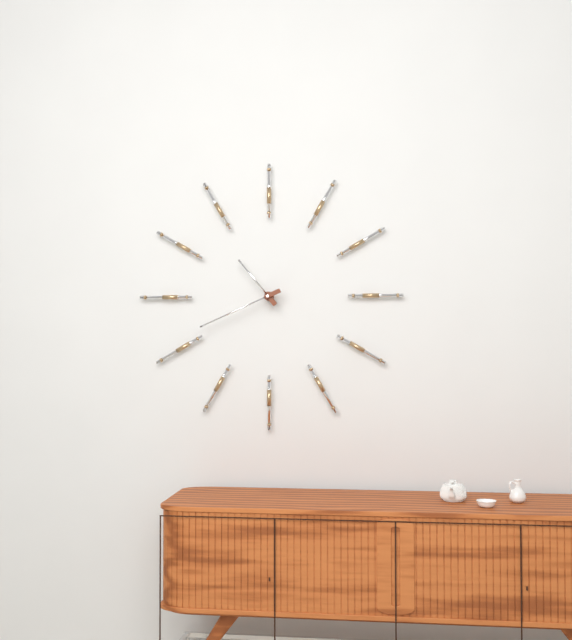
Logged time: 10 h 41 min
